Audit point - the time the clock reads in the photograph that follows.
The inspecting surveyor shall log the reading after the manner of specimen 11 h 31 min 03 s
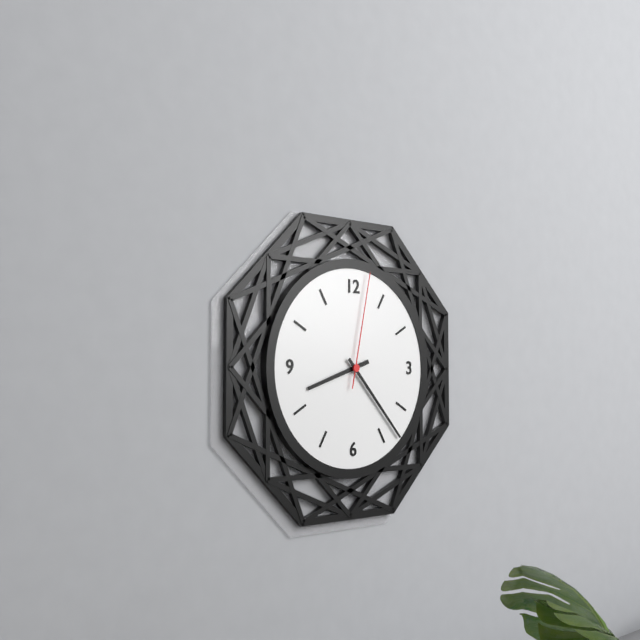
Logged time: 8 h 23 min 02 s
